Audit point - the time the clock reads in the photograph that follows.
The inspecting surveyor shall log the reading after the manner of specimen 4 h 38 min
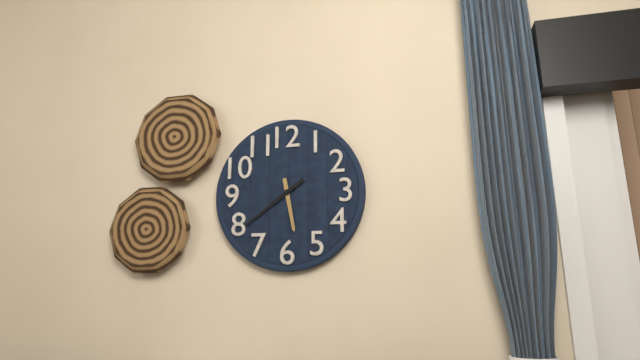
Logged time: 5 h 39 min
